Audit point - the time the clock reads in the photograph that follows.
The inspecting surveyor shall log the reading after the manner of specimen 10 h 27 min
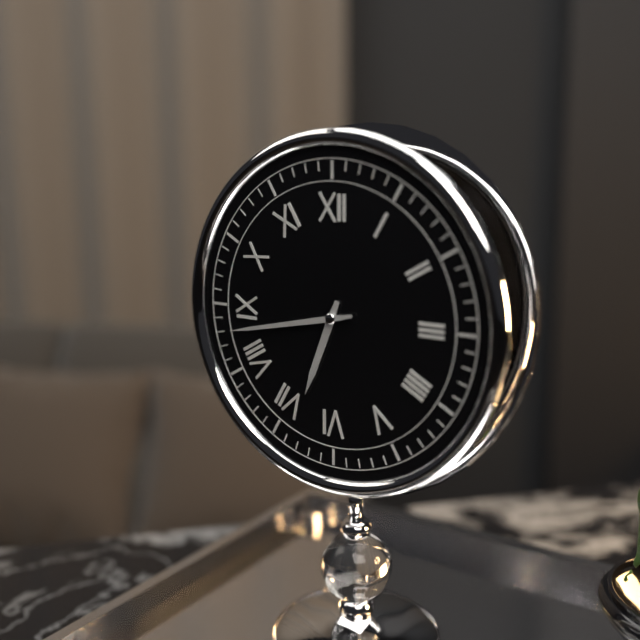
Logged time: 6 h 43 min
